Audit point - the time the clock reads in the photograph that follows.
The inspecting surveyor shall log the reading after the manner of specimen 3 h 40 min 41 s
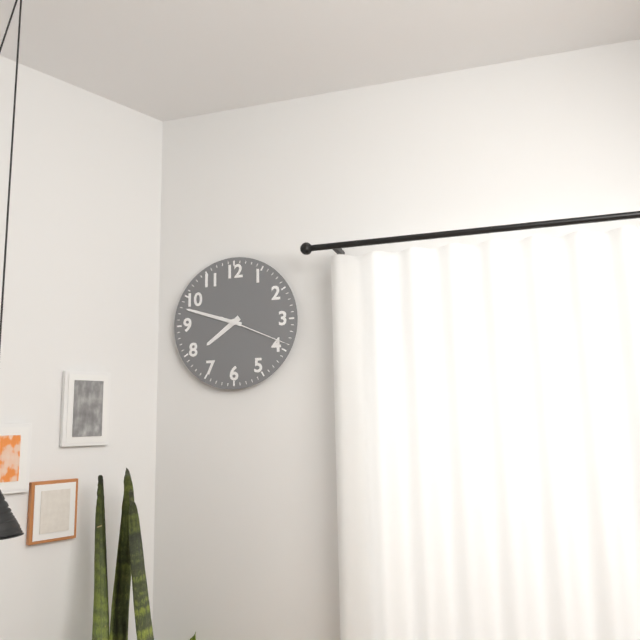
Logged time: 7 h 48 min 19 s
